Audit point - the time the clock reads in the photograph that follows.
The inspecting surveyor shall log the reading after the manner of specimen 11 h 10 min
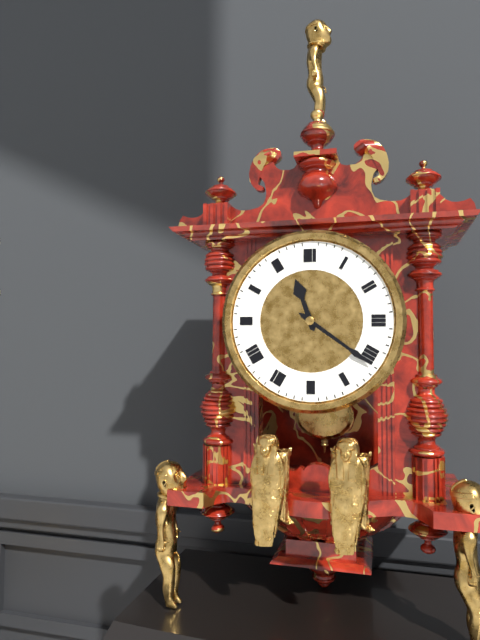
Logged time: 11 h 21 min
